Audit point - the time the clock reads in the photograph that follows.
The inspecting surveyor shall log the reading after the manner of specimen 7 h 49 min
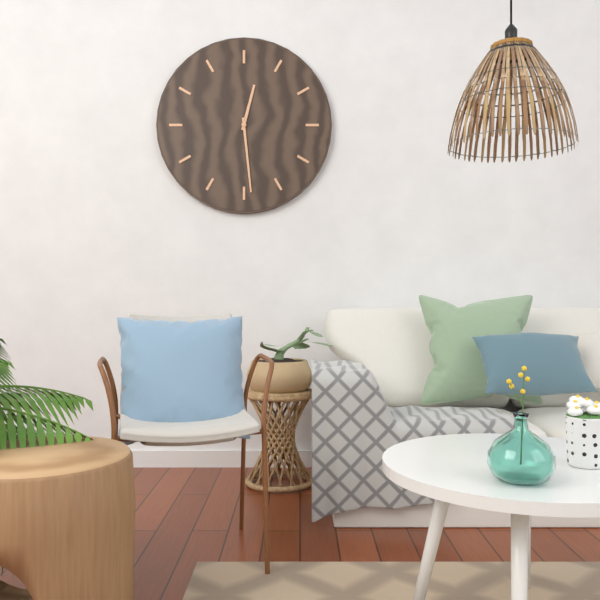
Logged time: 12 h 29 min
